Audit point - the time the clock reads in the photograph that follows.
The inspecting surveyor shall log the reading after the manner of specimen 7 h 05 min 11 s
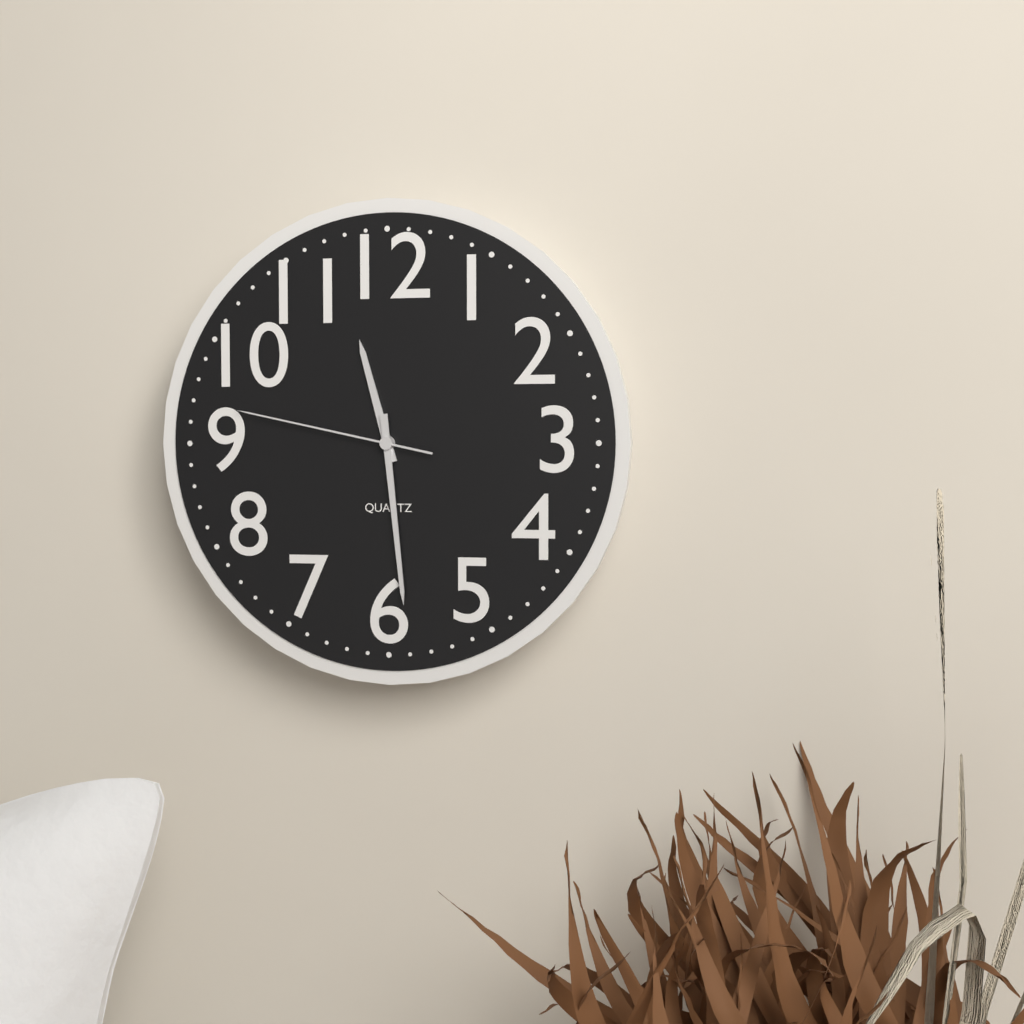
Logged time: 11 h 29 min 47 s
